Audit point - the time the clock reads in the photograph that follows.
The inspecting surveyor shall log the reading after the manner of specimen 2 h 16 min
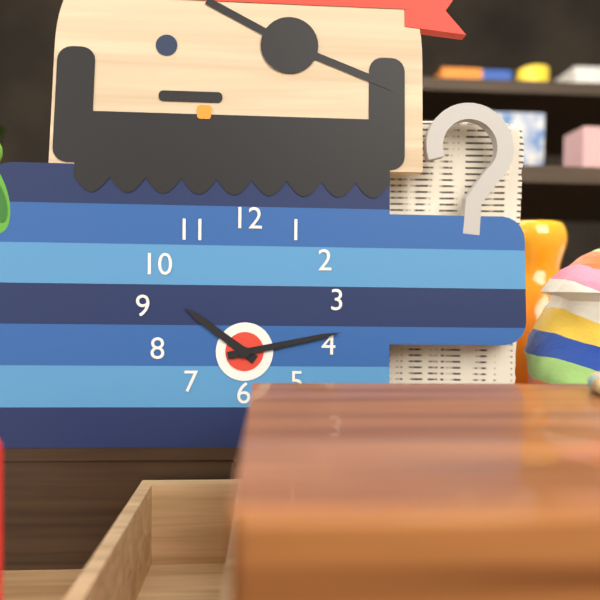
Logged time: 10 h 13 min
